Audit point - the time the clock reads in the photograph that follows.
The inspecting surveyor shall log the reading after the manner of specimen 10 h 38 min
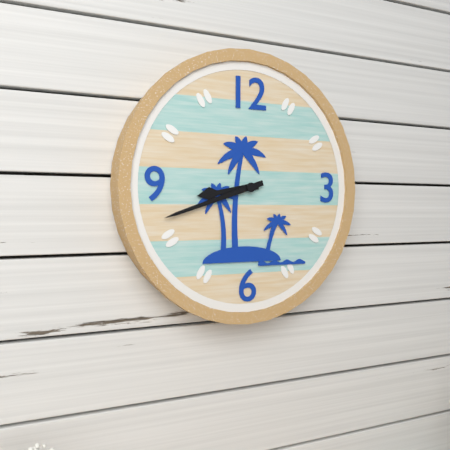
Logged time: 8 h 42 min
